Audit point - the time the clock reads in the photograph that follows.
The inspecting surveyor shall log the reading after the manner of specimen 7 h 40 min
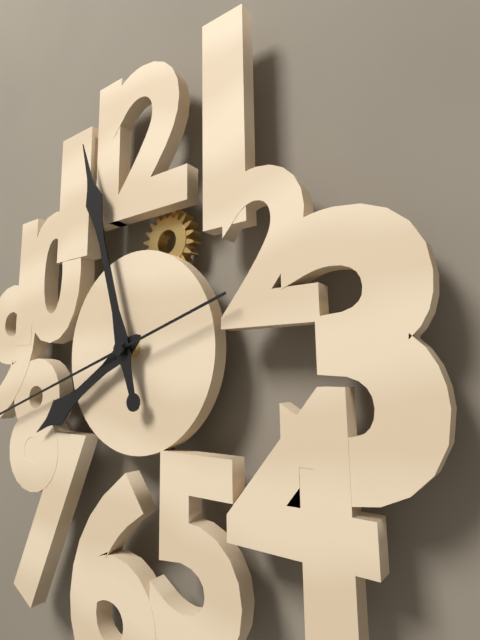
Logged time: 7 h 57 min
